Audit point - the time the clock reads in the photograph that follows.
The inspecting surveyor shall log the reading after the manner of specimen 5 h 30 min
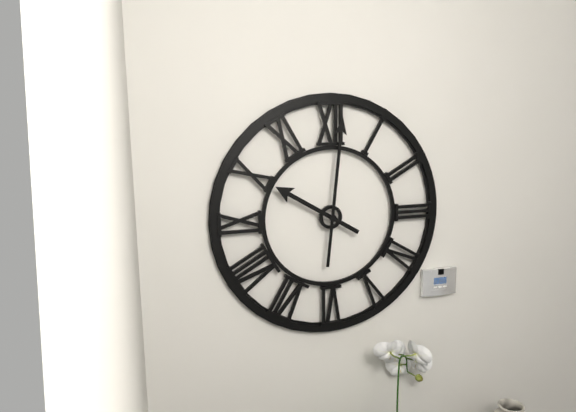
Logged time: 10 h 01 min
